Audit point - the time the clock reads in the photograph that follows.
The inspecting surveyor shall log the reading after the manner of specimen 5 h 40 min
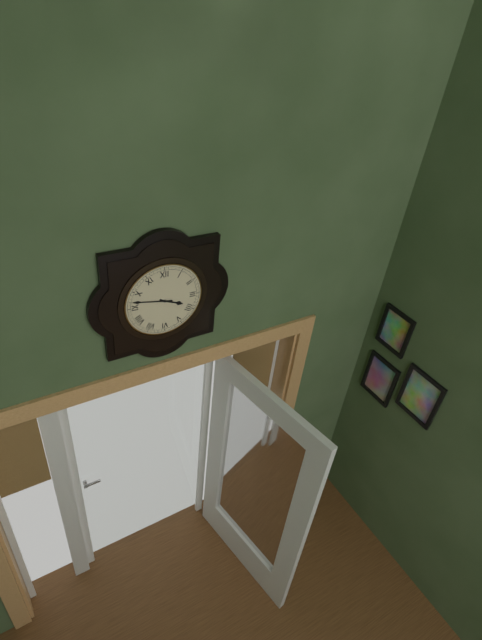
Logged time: 3 h 47 min
